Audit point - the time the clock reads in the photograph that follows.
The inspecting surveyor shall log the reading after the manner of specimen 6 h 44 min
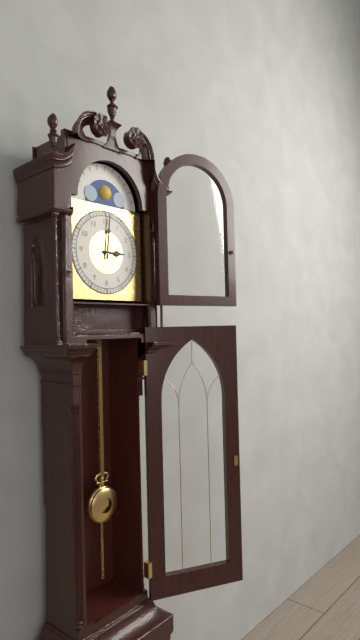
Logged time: 3 h 01 min
